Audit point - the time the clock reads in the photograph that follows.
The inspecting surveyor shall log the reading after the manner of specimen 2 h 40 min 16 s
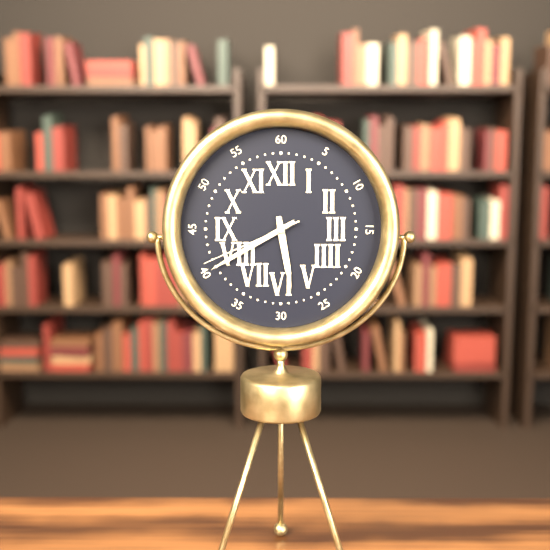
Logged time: 5 h 40 min 41 s
